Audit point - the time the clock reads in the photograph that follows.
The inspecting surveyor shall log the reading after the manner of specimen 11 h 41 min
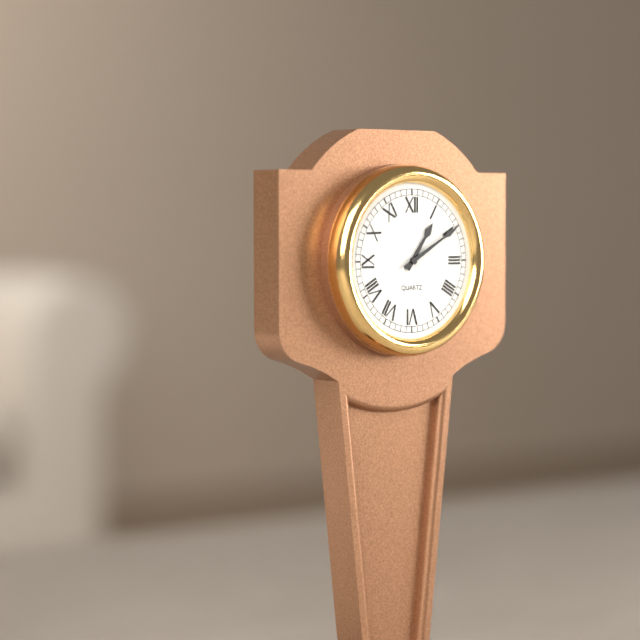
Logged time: 1 h 10 min
